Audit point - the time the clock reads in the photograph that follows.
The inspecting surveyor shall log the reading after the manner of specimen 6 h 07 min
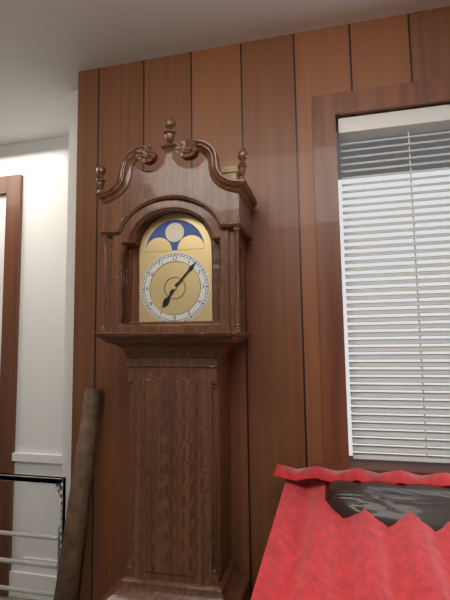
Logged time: 7 h 07 min
